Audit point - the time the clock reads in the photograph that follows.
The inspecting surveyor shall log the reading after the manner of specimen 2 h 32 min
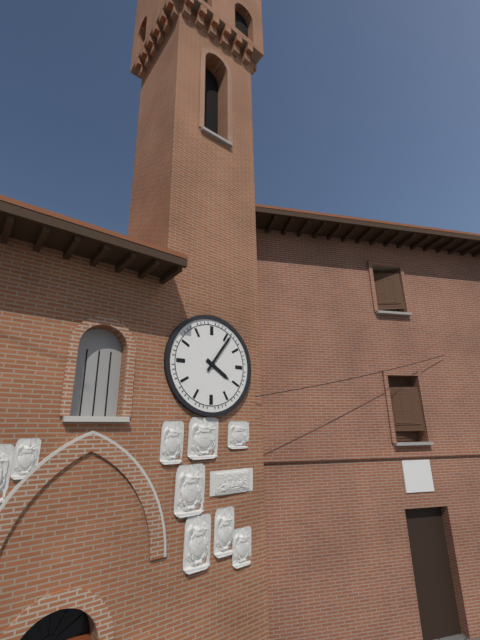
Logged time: 4 h 06 min
